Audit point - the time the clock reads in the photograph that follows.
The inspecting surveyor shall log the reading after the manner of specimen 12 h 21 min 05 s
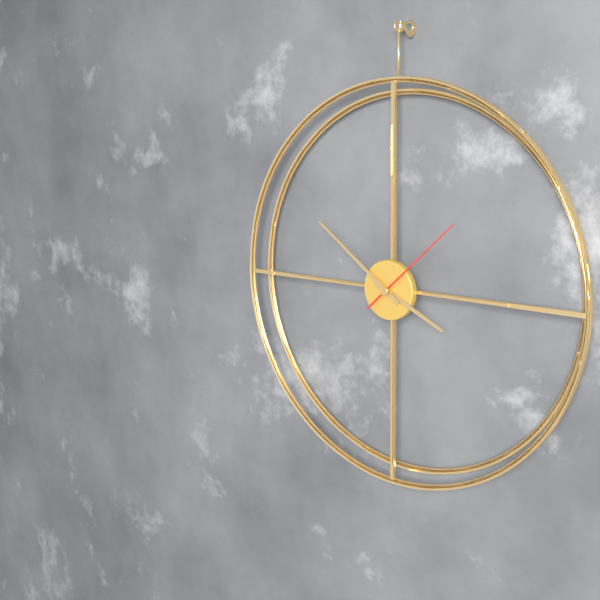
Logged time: 3 h 51 min 08 s
